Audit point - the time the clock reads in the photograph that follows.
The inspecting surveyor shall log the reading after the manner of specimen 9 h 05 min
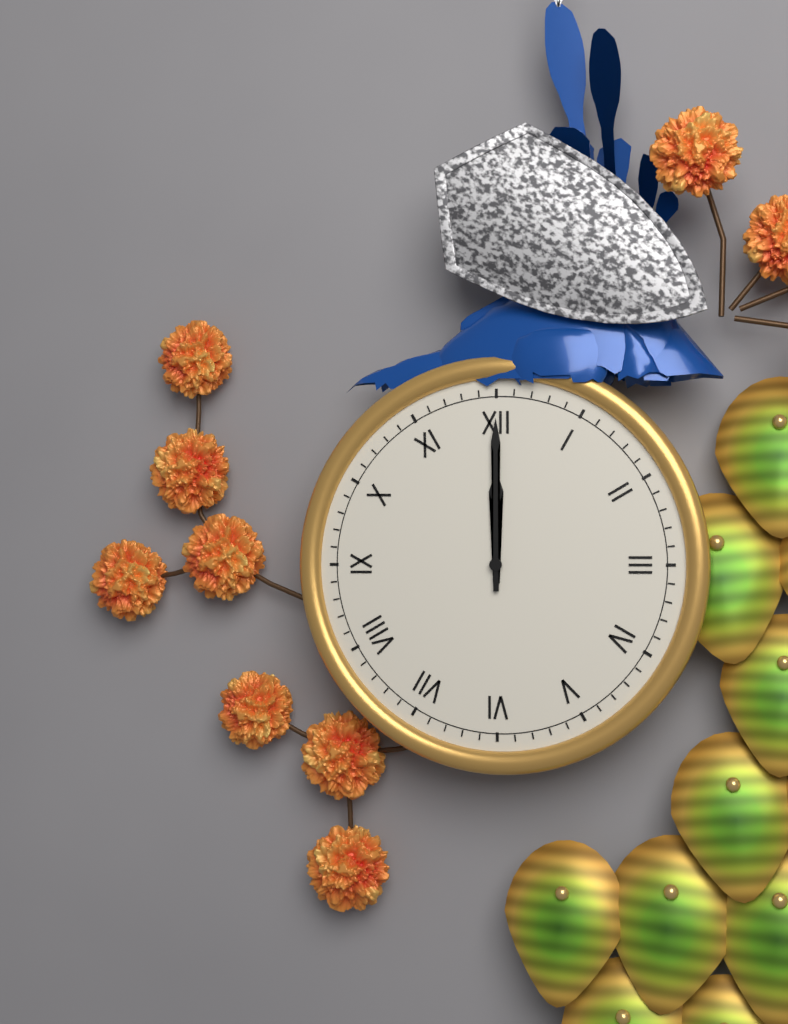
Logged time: 12 h 00 min
